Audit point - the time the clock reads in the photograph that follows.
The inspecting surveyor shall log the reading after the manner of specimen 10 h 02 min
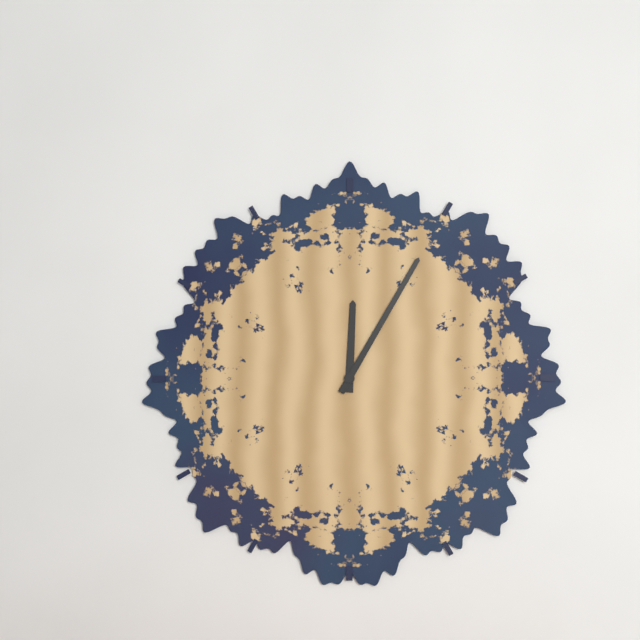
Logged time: 12 h 05 min
